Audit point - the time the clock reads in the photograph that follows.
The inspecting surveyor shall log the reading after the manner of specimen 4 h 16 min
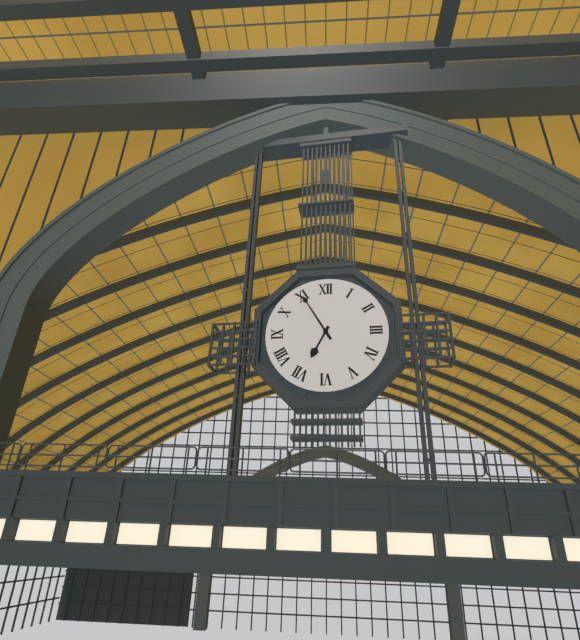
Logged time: 6 h 55 min
